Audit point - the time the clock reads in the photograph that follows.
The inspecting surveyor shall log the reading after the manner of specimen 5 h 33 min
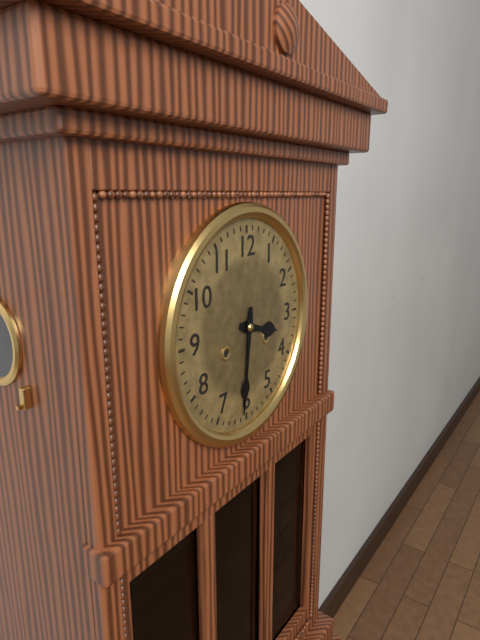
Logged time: 3 h 31 min
